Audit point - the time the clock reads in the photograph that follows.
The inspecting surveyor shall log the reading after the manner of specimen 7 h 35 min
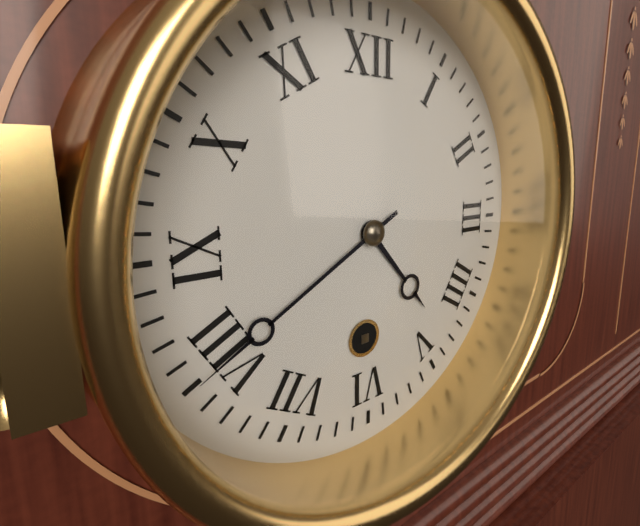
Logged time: 4 h 40 min
